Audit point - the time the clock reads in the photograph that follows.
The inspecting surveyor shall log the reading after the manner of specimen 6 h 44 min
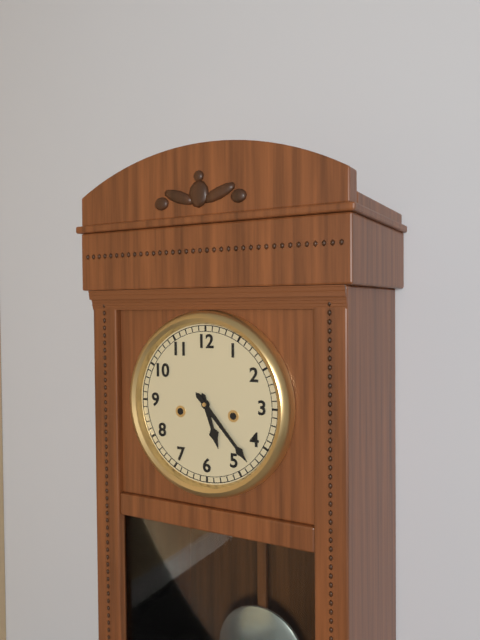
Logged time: 5 h 23 min
